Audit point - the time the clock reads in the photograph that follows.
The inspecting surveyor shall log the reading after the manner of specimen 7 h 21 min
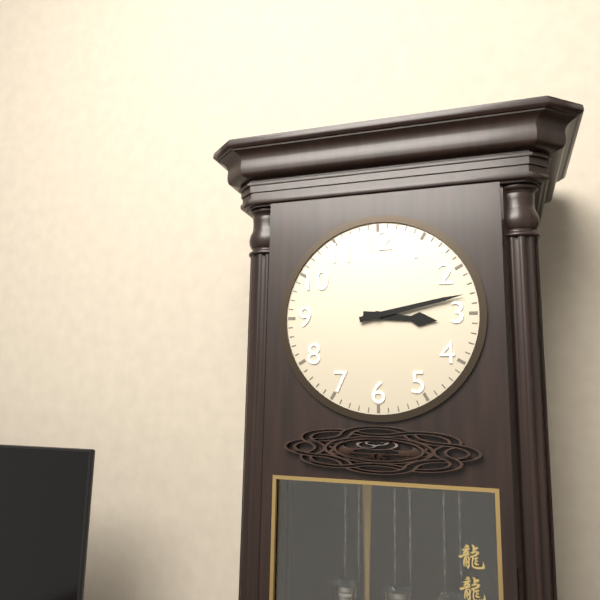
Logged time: 3 h 13 min
